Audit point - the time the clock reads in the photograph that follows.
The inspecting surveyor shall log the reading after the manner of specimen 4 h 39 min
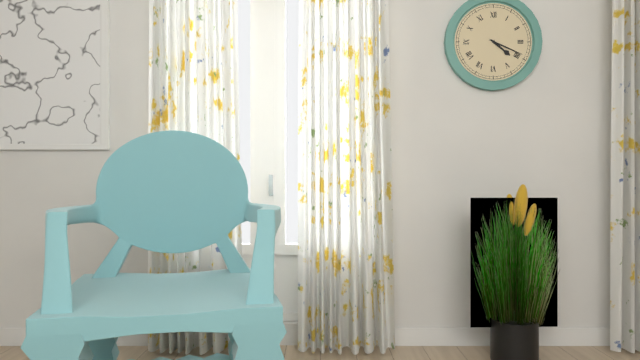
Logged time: 4 h 19 min
